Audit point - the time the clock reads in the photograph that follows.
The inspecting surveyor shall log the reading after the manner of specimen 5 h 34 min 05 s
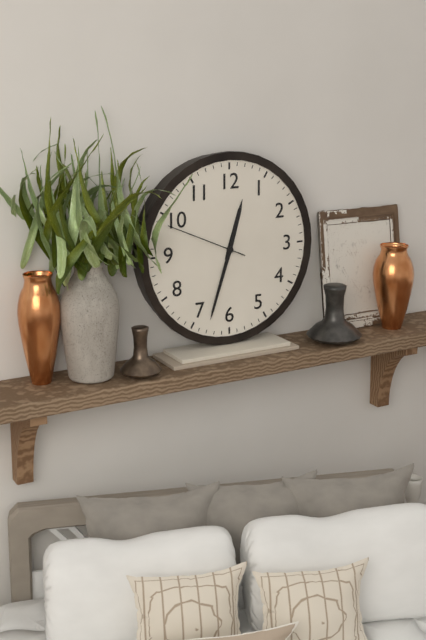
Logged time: 12 h 33 min 49 s
